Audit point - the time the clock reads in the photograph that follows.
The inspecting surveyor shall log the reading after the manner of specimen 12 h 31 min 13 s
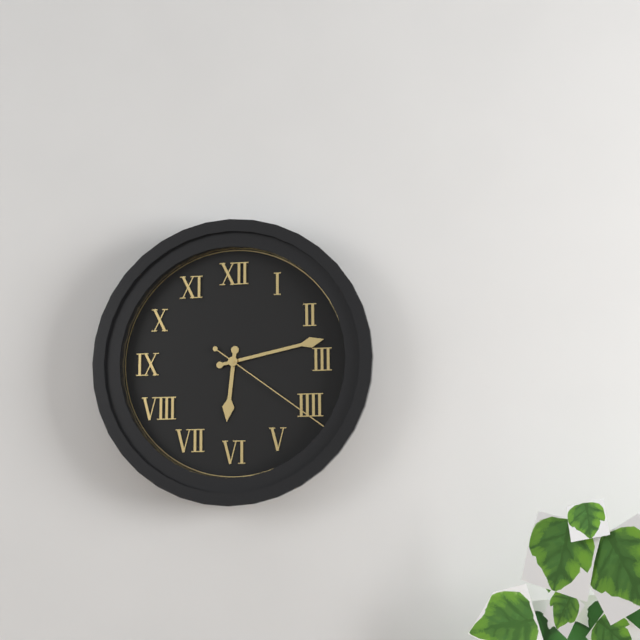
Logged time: 6 h 13 min 21 s
